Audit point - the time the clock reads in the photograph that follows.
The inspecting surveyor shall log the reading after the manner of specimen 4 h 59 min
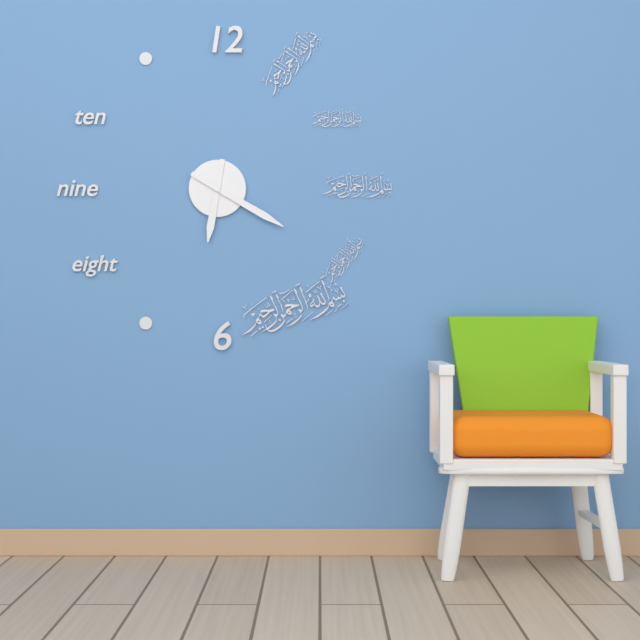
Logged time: 6 h 20 min
